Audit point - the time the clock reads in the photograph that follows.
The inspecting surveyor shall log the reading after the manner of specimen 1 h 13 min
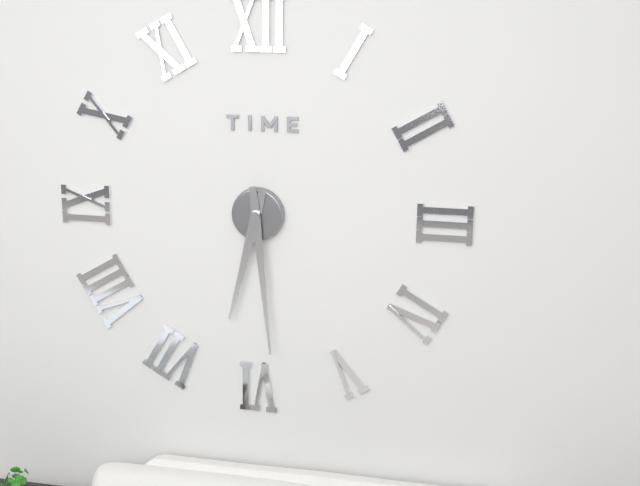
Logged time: 6 h 29 min
